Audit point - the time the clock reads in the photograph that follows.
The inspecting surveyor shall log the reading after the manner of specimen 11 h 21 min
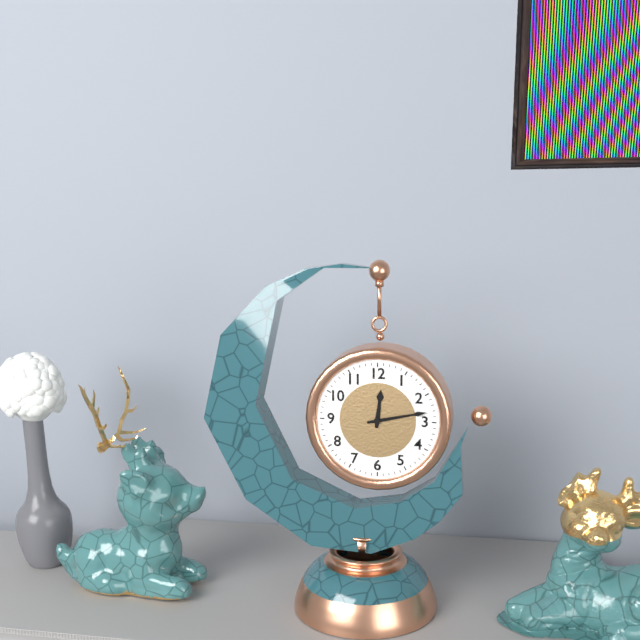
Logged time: 12 h 13 min
